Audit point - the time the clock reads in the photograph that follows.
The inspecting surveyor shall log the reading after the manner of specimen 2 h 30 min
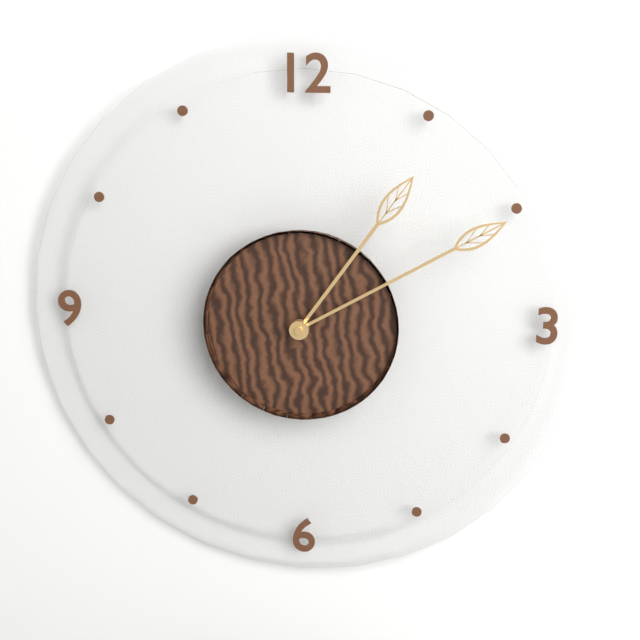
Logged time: 1 h 10 min
